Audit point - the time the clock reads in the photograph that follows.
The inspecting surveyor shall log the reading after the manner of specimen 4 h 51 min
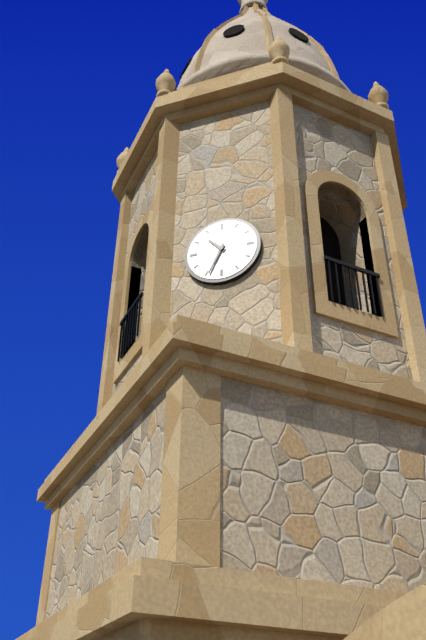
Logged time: 10 h 34 min
